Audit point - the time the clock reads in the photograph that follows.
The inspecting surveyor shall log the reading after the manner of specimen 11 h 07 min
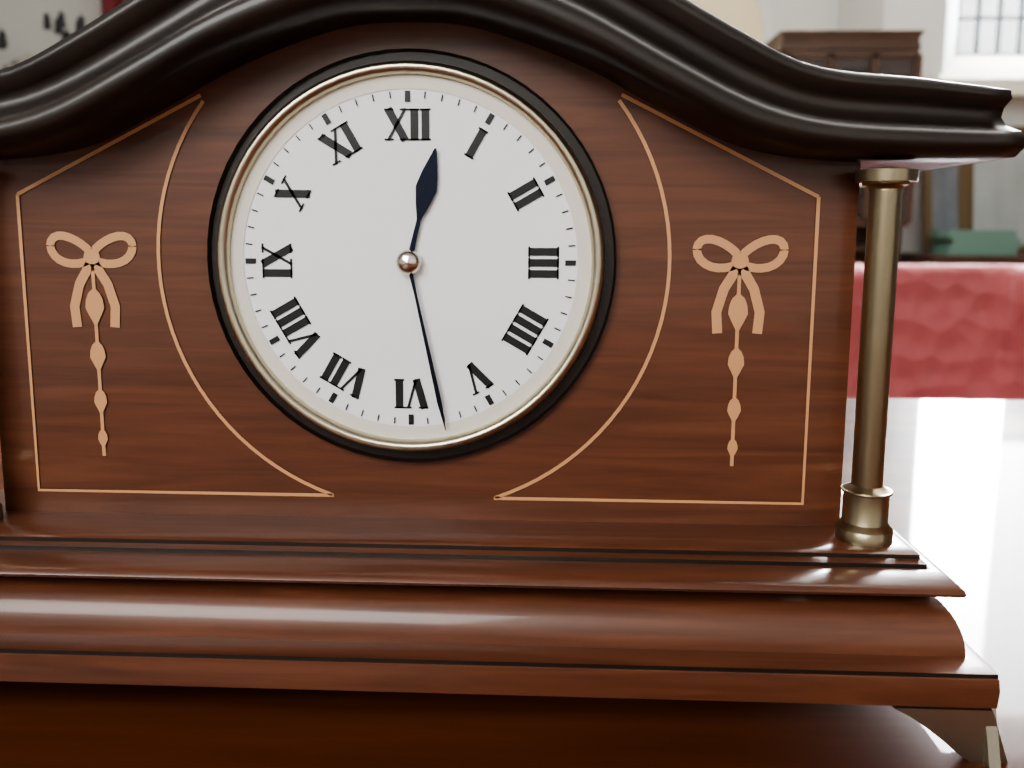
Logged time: 12 h 28 min
